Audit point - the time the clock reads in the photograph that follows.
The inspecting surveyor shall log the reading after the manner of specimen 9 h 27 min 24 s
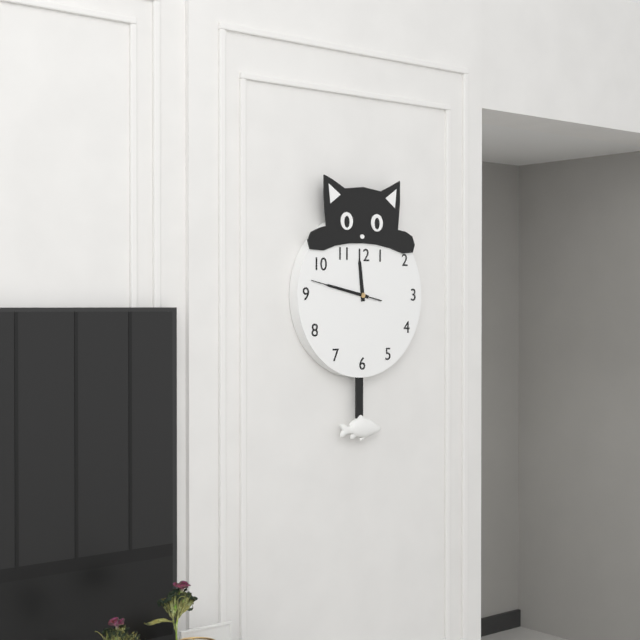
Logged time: 11 h 47 min 47 s
